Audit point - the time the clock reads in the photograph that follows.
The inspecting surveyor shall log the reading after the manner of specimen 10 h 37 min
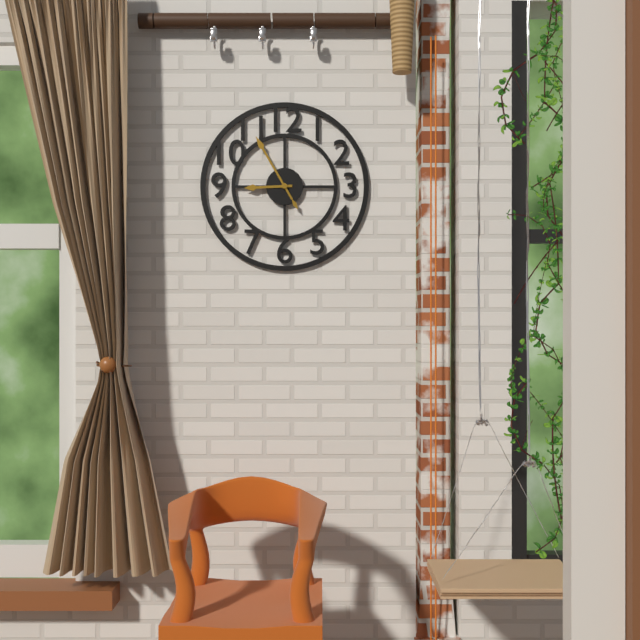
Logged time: 8 h 55 min
